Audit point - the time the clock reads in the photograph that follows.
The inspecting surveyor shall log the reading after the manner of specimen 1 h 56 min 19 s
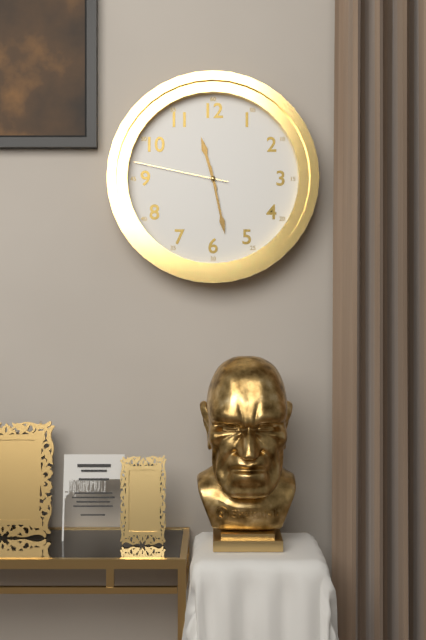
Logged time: 11 h 28 min 47 s
